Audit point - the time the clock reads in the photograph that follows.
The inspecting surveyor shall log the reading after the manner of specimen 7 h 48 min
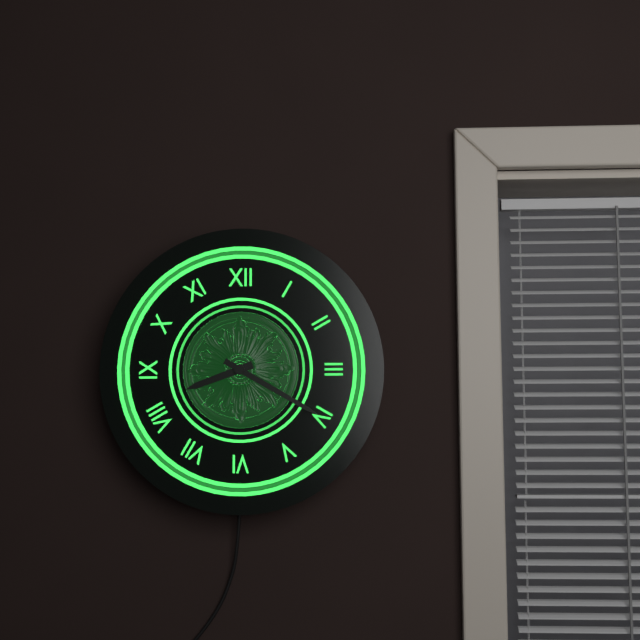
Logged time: 8 h 20 min
